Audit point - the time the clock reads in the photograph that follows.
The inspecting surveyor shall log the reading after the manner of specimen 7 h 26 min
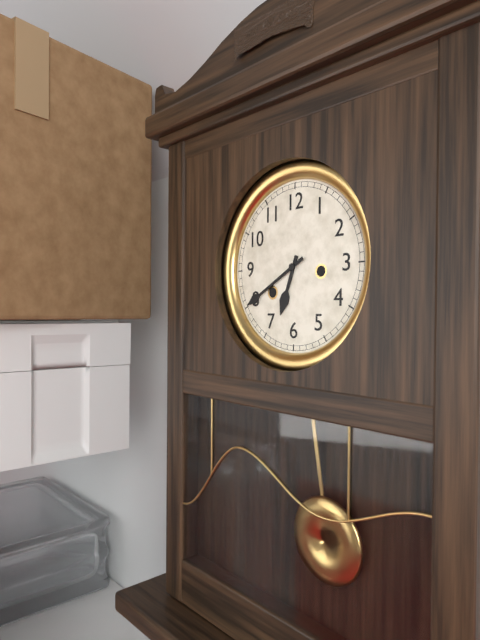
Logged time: 6 h 40 min
